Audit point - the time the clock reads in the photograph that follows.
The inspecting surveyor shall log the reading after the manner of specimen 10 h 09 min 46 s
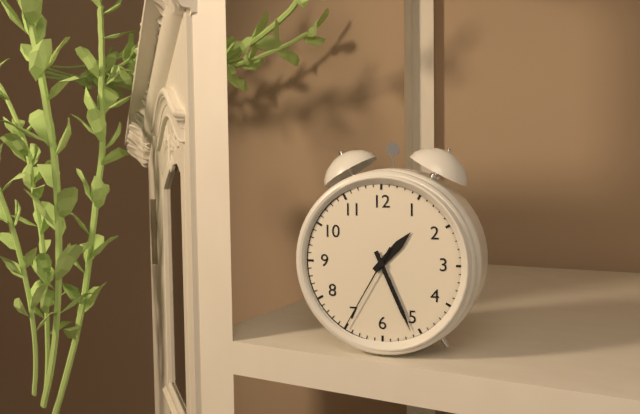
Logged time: 1 h 26 min 35 s
